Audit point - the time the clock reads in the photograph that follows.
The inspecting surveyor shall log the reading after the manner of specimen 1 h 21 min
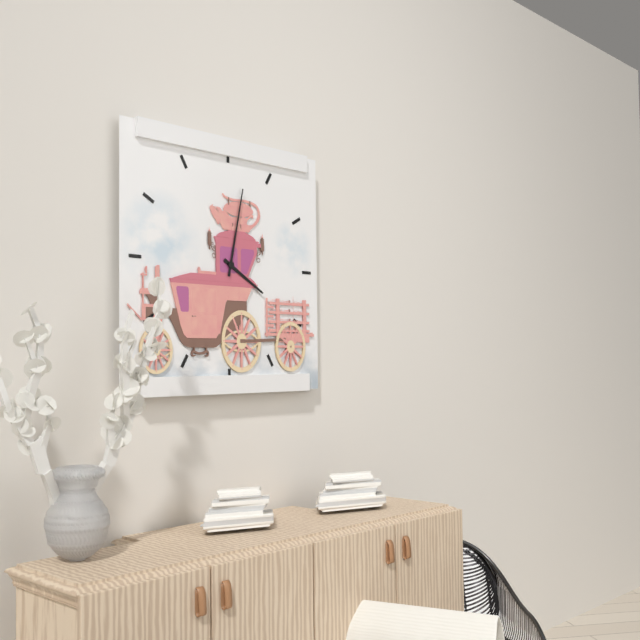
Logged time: 4 h 02 min
